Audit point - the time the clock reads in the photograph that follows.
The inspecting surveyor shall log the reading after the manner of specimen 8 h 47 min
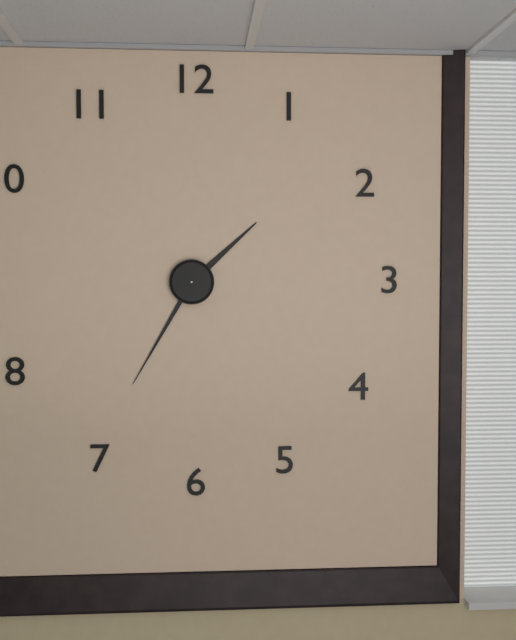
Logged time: 1 h 35 min
